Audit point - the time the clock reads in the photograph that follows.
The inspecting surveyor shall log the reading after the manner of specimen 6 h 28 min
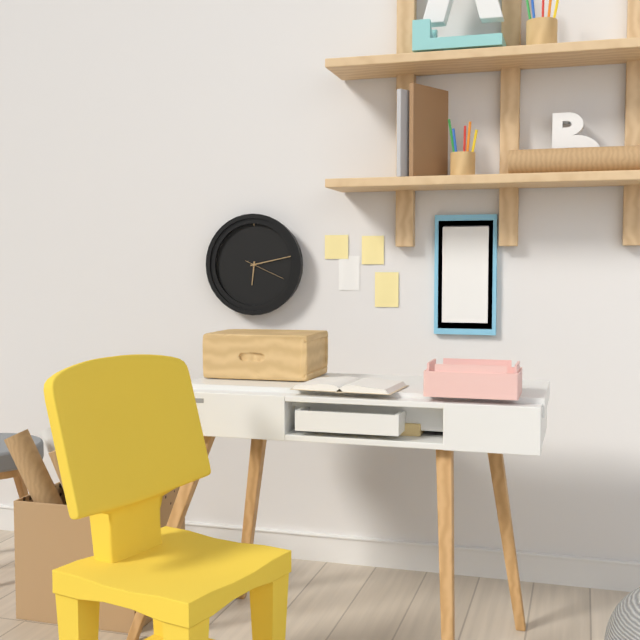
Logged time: 6 h 13 min
